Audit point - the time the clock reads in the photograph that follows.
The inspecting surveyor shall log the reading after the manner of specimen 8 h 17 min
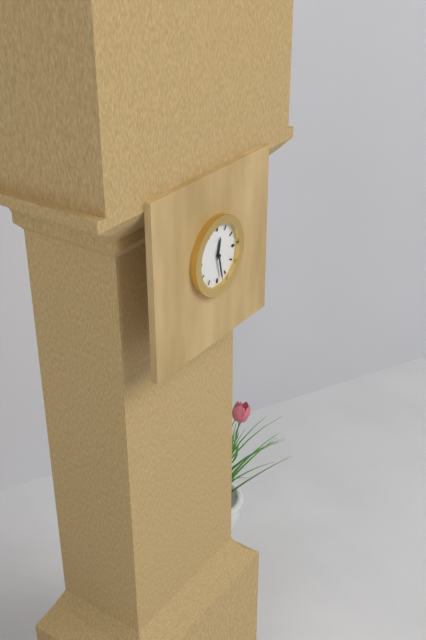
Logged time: 12 h 28 min
